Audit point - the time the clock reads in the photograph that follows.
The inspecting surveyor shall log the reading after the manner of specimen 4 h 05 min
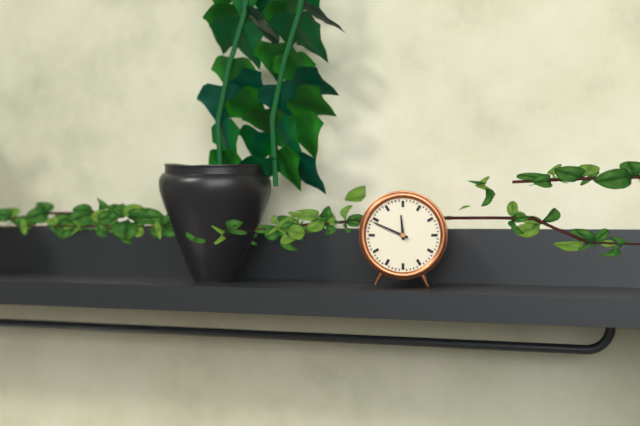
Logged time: 11 h 49 min
